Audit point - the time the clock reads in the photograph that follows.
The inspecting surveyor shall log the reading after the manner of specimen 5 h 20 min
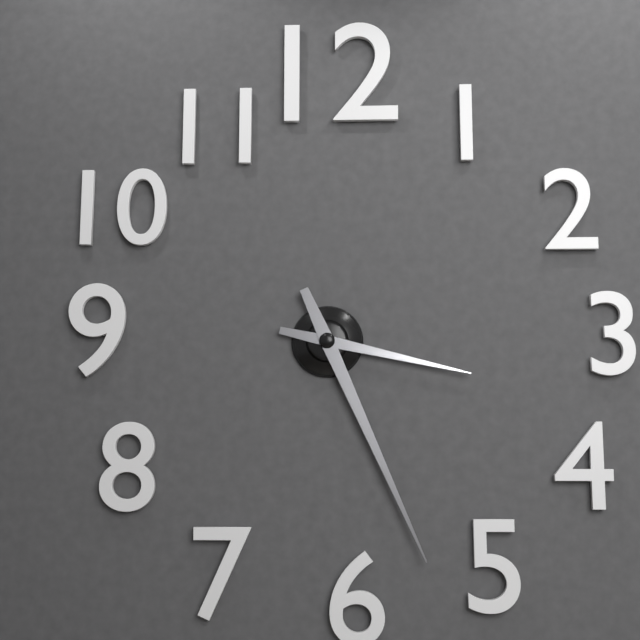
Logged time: 3 h 26 min
